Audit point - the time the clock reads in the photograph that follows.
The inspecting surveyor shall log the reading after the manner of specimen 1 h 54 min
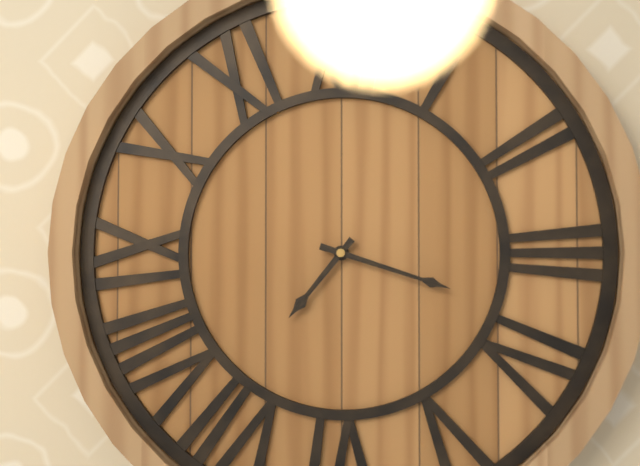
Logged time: 7 h 18 min
